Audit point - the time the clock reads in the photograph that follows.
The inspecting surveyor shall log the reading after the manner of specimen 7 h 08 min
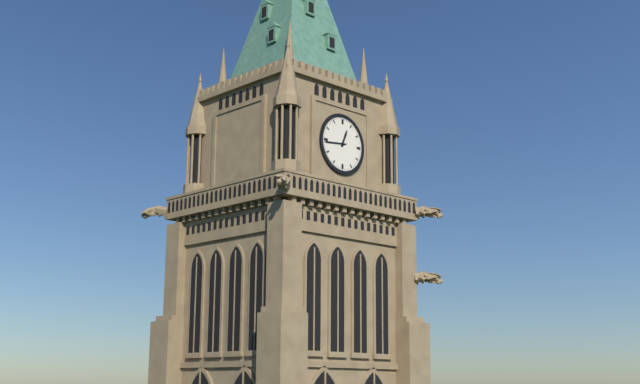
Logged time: 12 h 44 min
